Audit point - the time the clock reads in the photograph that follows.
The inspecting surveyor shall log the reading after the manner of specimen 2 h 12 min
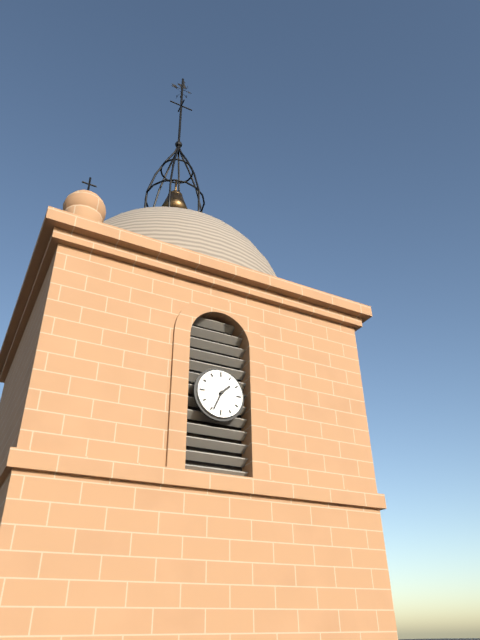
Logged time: 1 h 34 min
